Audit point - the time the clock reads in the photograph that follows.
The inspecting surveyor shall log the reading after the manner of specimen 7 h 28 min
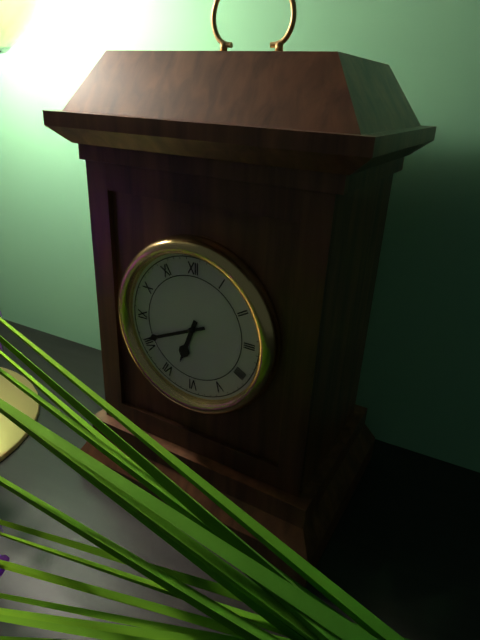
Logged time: 6 h 41 min
